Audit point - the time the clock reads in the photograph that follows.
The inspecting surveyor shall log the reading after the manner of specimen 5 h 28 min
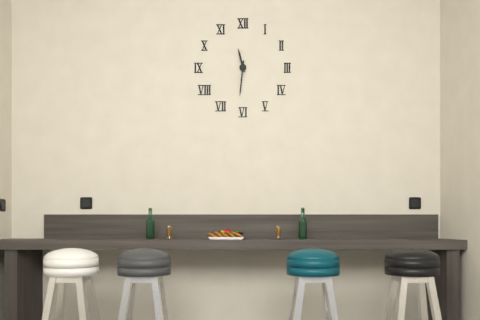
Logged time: 11 h 31 min
